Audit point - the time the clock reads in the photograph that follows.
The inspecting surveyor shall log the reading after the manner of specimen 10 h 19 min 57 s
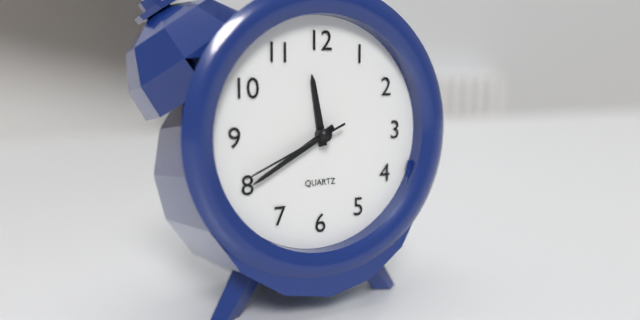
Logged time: 11 h 40 min 41 s
